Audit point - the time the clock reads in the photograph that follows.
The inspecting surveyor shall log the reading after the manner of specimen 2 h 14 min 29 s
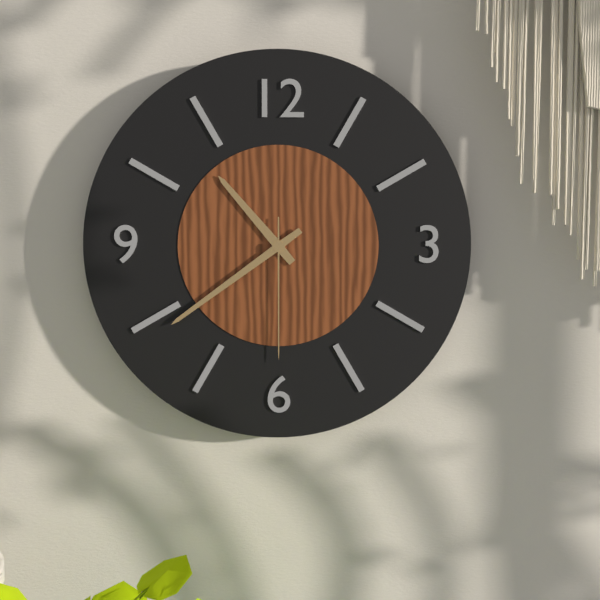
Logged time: 10 h 39 min 30 s
